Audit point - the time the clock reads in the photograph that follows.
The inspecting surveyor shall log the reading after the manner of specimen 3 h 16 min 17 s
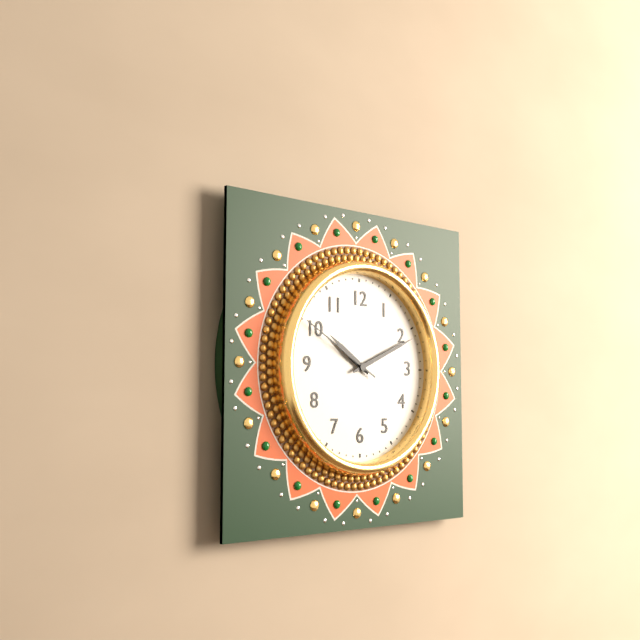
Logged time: 10 h 11 min 50 s
